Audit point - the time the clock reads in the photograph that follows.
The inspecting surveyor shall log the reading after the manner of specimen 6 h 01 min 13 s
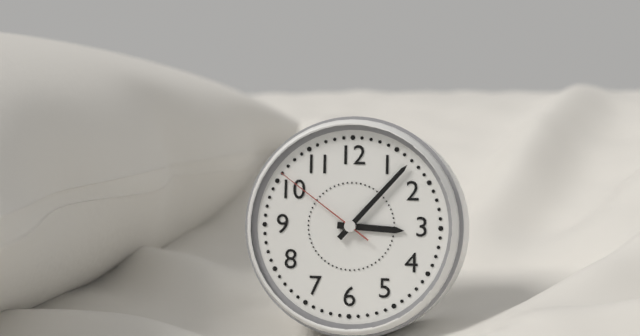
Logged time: 3 h 07 min 51 s
